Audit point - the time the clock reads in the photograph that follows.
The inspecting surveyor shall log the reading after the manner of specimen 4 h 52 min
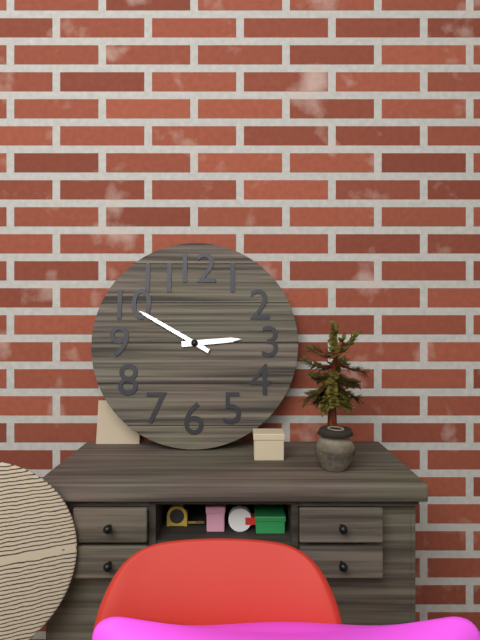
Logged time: 2 h 50 min
